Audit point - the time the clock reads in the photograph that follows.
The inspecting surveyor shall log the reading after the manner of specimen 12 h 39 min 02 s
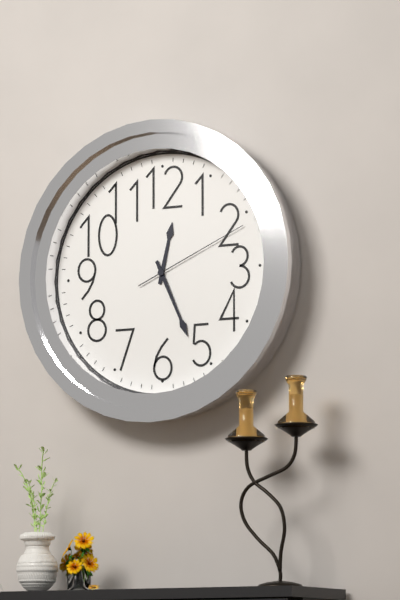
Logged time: 12 h 26 min 11 s
